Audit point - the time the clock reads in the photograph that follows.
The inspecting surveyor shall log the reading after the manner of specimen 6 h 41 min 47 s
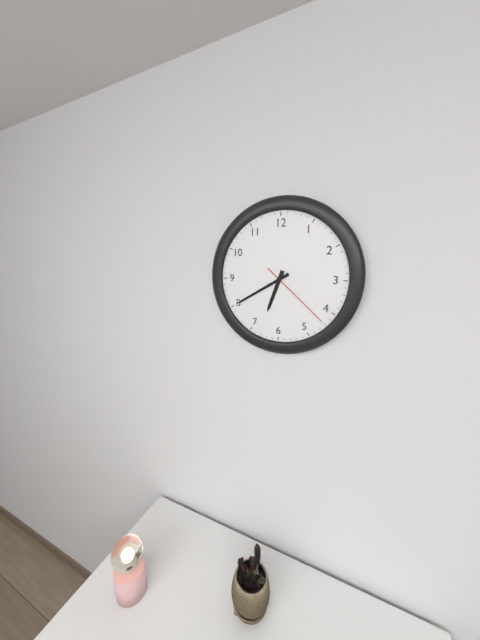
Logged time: 6 h 40 min 22 s
